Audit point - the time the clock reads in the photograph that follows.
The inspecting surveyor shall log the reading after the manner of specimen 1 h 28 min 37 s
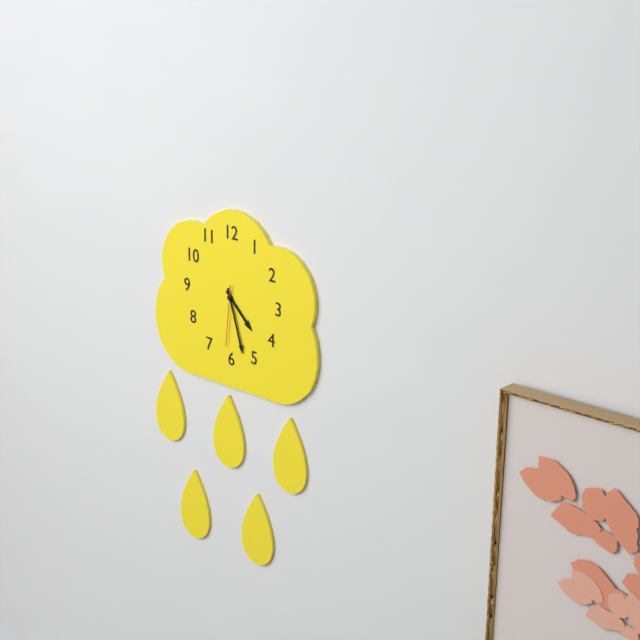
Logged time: 4 h 27 min 31 s
